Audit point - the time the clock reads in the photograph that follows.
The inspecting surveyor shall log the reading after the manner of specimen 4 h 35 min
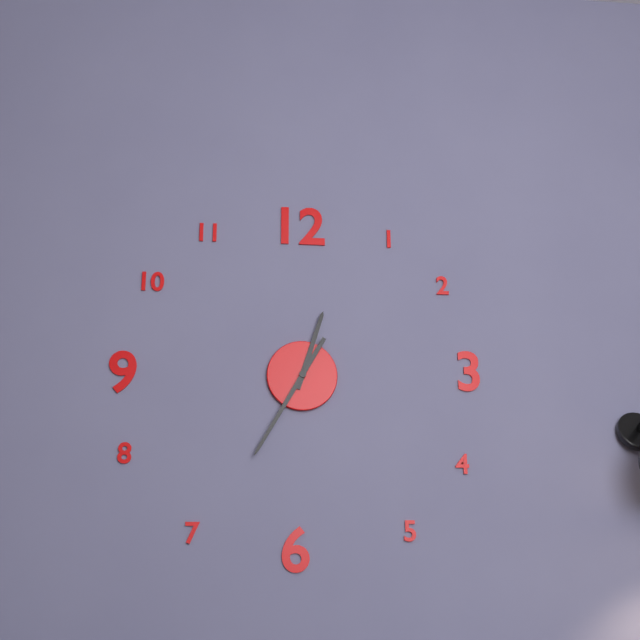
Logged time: 12 h 35 min
